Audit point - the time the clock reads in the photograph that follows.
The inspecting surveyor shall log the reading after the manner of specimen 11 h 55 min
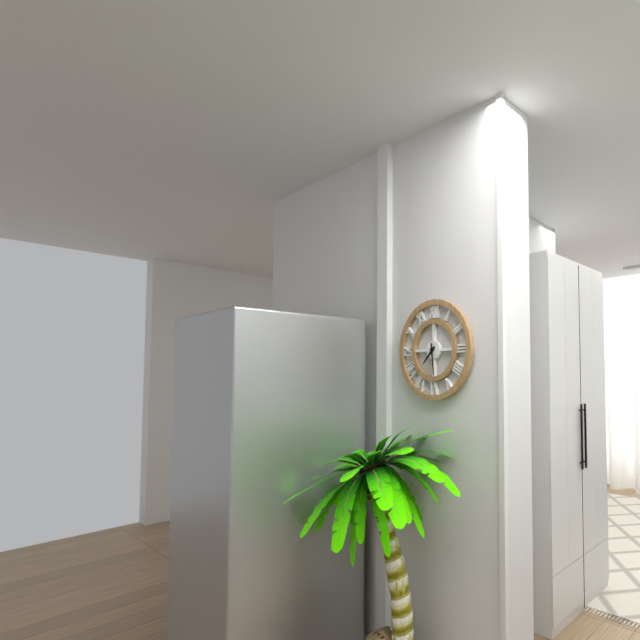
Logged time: 7 h 29 min
